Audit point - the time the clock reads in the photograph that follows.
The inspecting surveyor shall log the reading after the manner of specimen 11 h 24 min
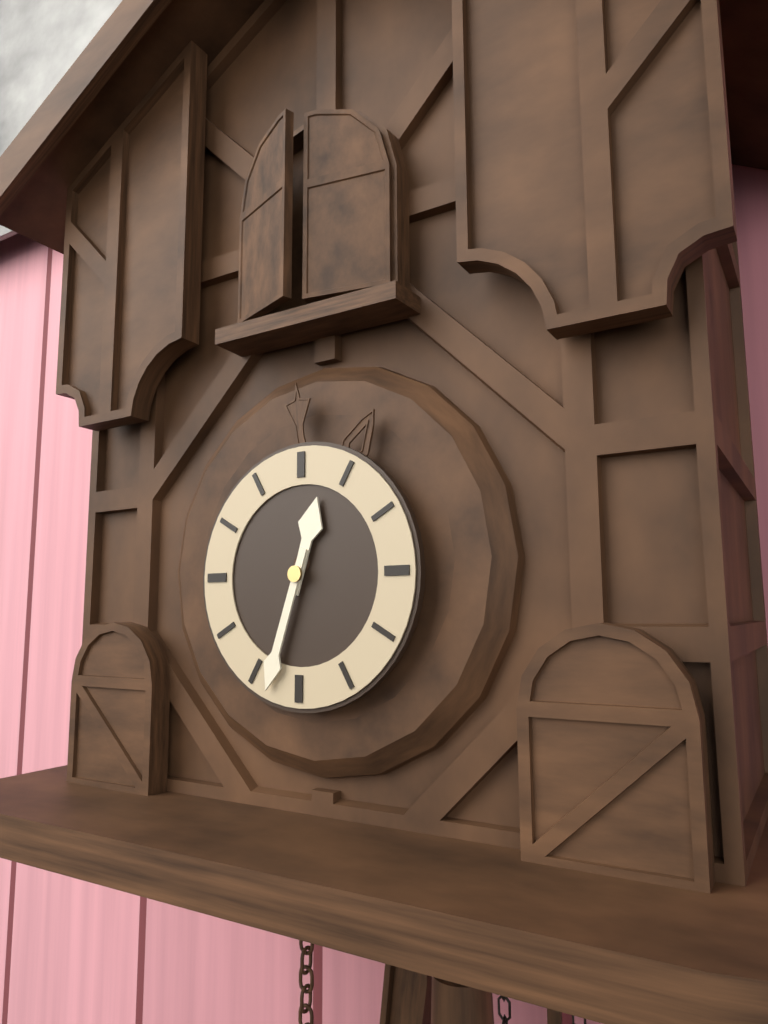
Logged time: 12 h 33 min
